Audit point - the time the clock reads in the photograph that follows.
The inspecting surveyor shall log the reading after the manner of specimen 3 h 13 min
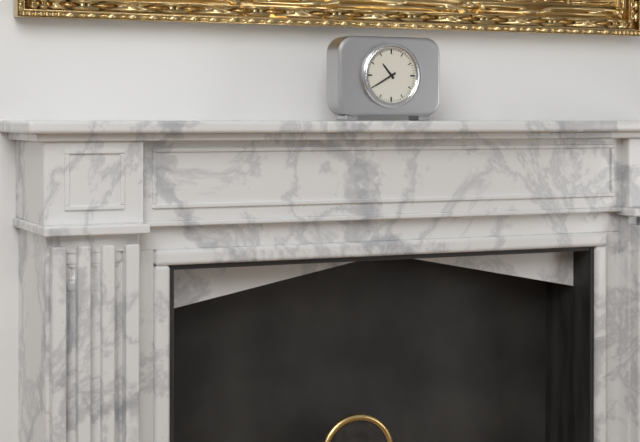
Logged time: 10 h 40 min
